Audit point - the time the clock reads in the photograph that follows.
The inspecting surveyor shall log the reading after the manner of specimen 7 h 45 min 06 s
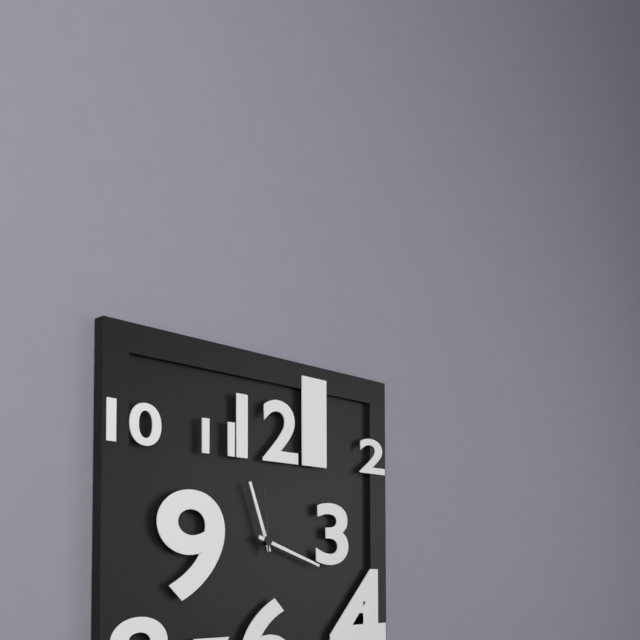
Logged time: 11 h 18 min 59 s
